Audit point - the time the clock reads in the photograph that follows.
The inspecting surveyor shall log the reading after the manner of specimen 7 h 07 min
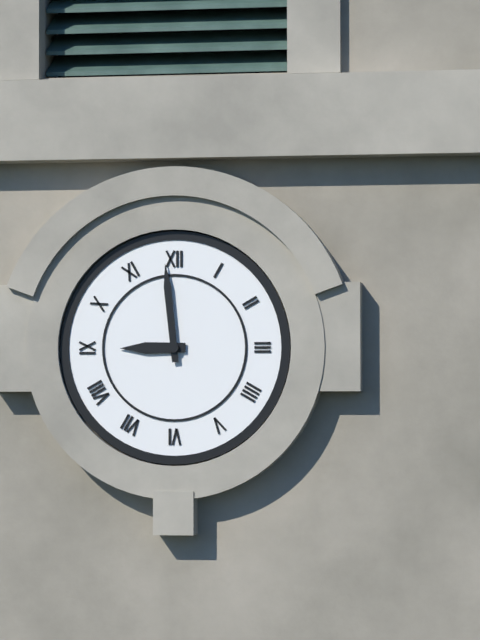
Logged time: 8 h 59 min
